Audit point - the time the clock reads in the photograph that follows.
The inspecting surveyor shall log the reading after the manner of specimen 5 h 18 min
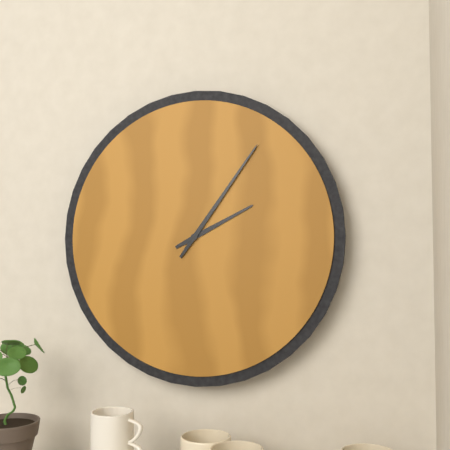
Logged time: 2 h 06 min
